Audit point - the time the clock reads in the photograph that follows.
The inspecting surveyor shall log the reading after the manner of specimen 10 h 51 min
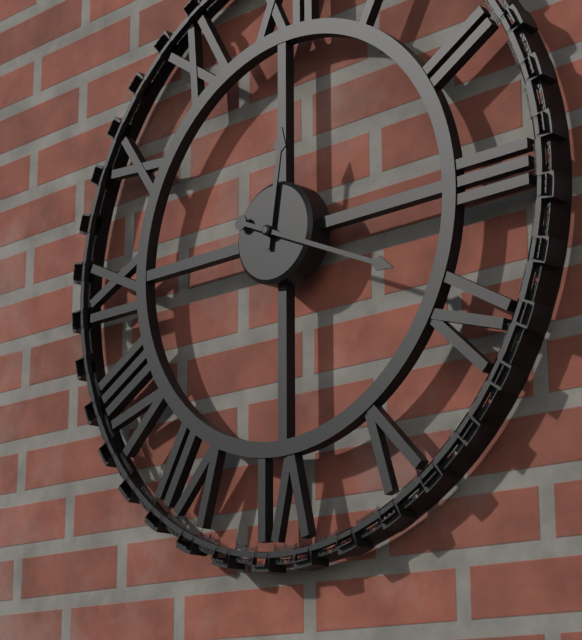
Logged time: 12 h 19 min
